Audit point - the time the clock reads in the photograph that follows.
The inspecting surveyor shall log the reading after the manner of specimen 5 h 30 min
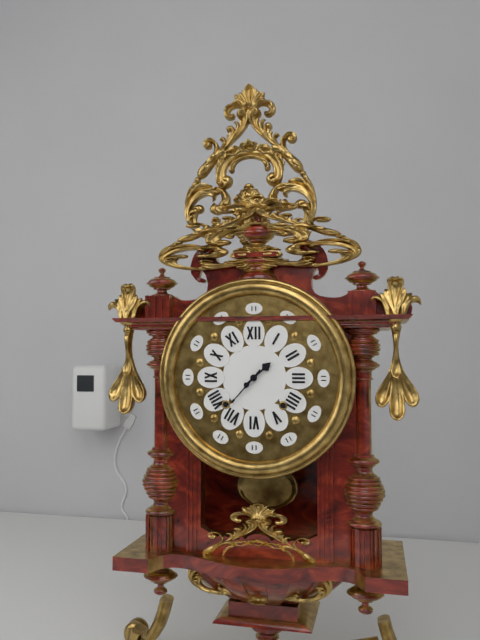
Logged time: 1 h 37 min
